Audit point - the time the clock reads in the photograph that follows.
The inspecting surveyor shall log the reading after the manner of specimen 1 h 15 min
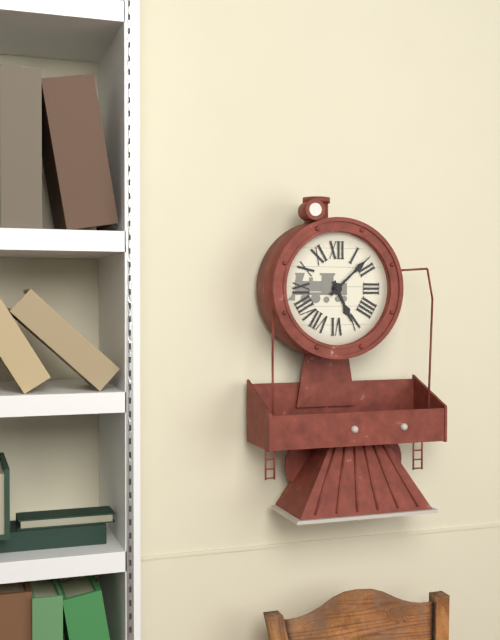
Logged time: 5 h 08 min
